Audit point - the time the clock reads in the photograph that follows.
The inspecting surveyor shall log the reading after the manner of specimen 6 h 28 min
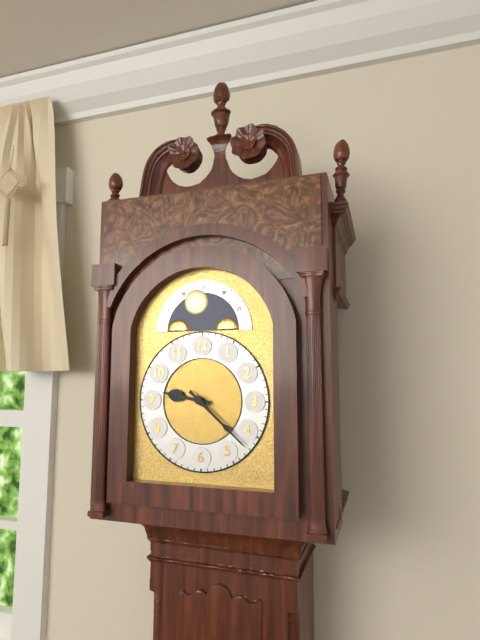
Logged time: 9 h 22 min
